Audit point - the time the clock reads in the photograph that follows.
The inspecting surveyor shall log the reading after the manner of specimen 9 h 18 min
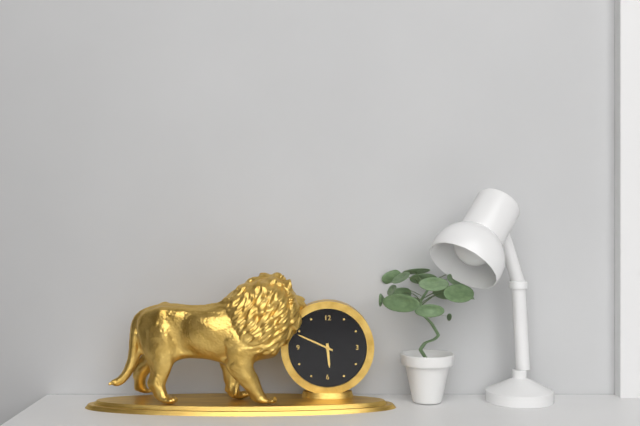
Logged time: 5 h 49 min
